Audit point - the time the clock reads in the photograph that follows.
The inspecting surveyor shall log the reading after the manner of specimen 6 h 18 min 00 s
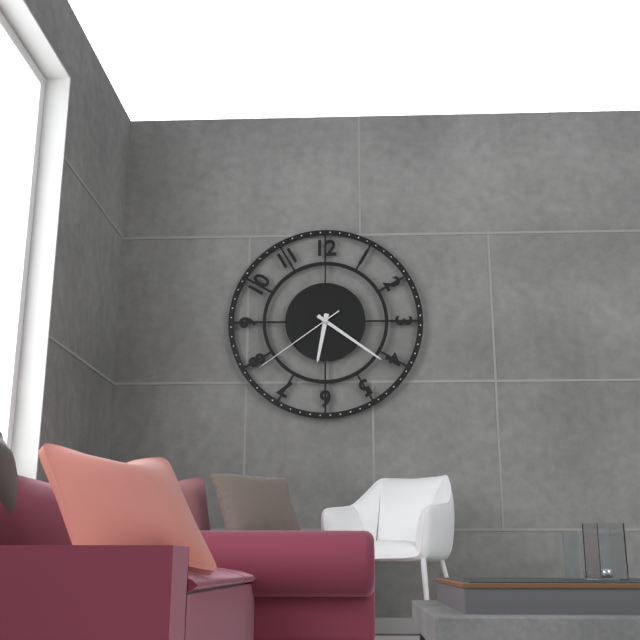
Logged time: 6 h 21 min 39 s
